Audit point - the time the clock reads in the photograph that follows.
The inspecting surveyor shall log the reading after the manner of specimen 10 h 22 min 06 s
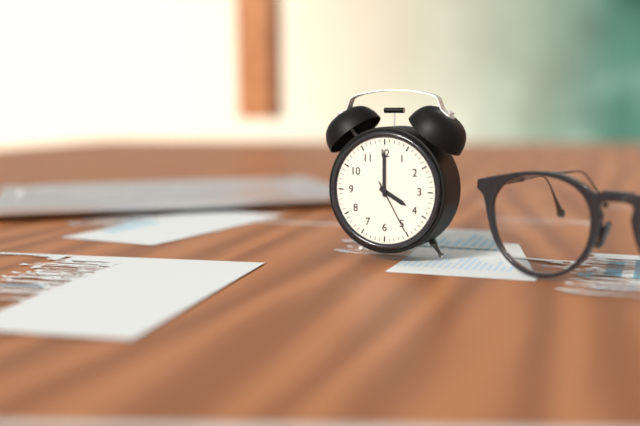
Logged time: 4 h 00 min 25 s
